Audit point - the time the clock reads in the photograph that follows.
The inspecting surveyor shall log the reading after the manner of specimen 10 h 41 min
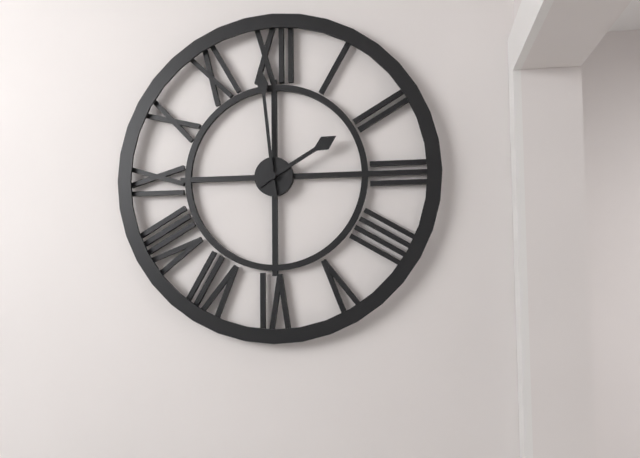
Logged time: 1 h 59 min
